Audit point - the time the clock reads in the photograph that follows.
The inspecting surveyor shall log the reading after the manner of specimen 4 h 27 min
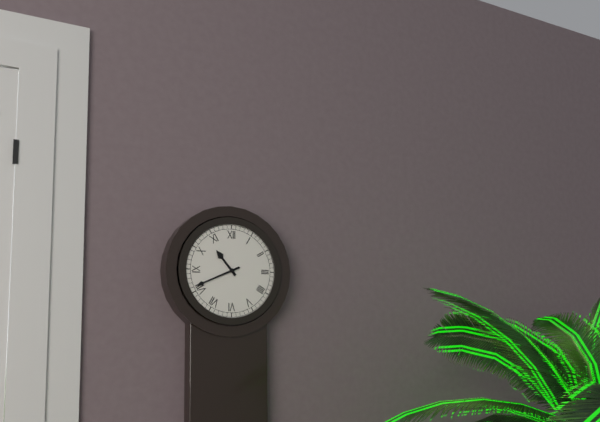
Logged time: 10 h 41 min
